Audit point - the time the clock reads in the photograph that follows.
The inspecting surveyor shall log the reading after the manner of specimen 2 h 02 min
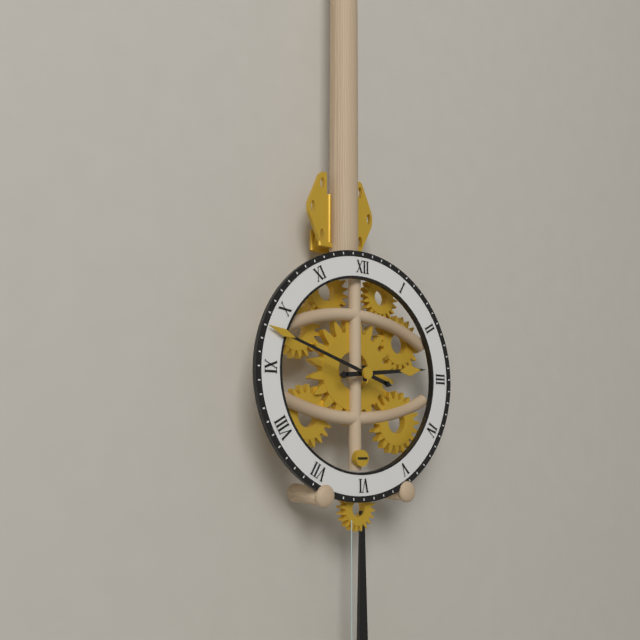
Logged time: 2 h 48 min
